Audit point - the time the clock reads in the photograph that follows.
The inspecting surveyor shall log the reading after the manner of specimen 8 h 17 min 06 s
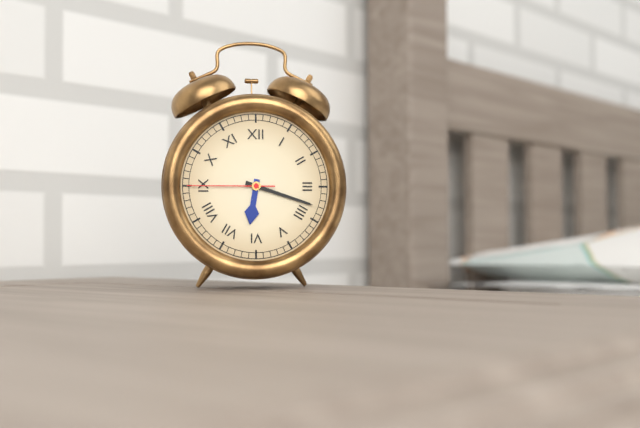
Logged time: 6 h 18 min 45 s
